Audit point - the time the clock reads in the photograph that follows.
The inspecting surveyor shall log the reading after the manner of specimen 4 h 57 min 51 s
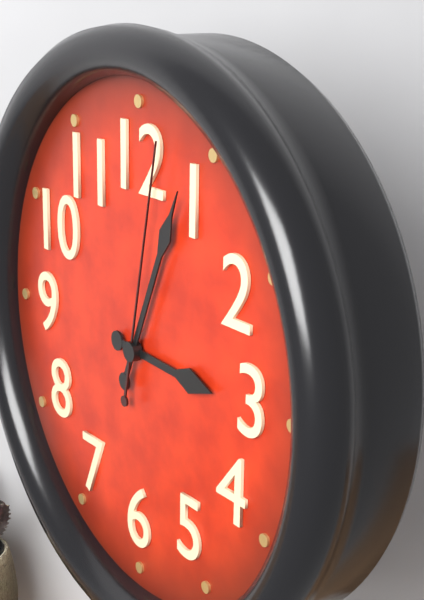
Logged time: 3 h 04 min 02 s
